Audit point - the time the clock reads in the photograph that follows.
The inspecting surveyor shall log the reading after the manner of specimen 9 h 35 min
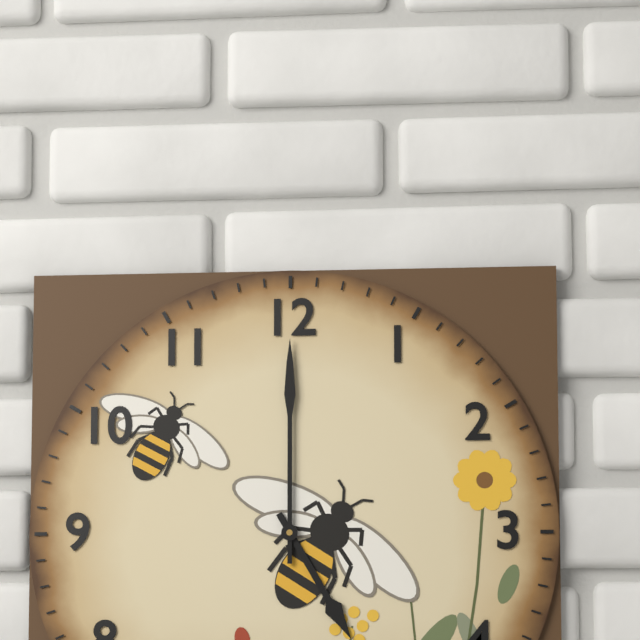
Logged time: 5 h 00 min
